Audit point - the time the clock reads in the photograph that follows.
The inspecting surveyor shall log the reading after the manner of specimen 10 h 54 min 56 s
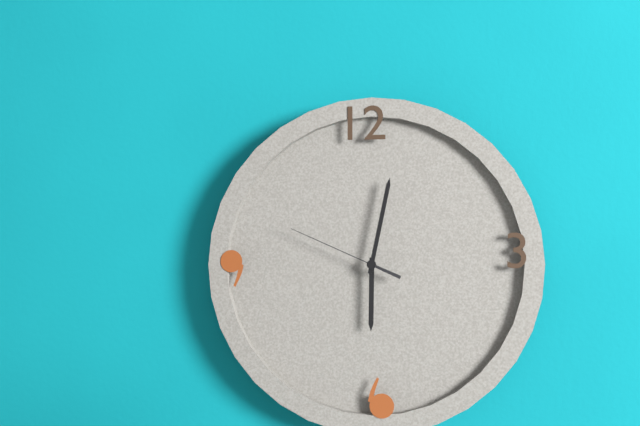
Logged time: 6 h 02 min 49 s
